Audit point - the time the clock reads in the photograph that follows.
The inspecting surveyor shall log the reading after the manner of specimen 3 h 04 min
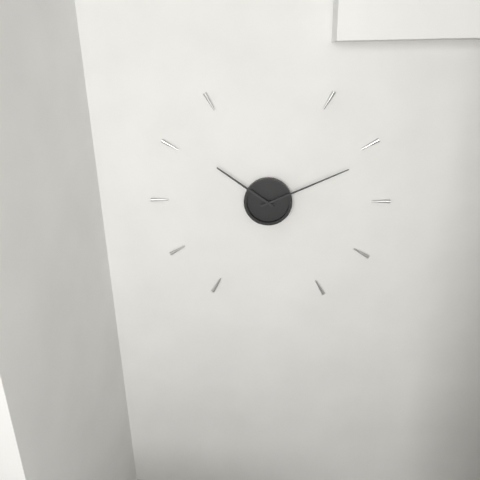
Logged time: 10 h 11 min
